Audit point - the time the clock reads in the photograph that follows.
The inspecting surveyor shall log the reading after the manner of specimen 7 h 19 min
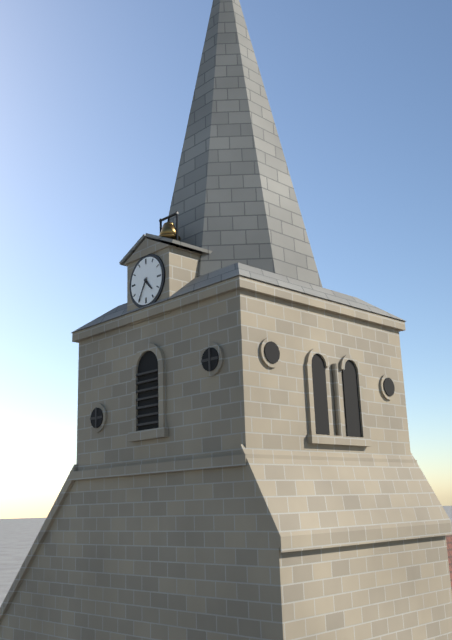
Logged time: 4 h 35 min
